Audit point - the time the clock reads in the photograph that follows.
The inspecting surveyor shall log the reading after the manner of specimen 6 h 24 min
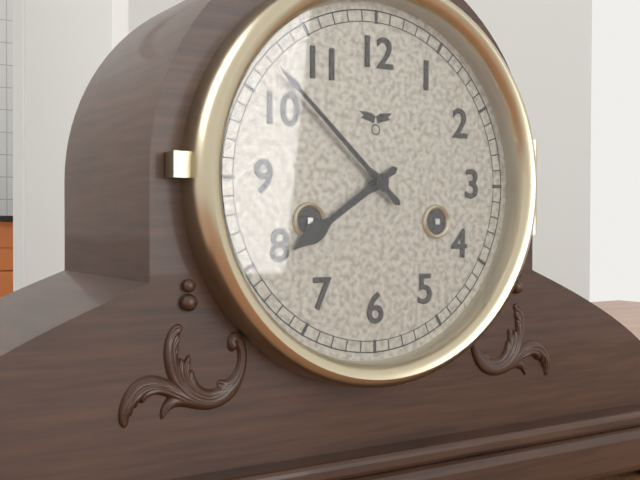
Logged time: 7 h 52 min
